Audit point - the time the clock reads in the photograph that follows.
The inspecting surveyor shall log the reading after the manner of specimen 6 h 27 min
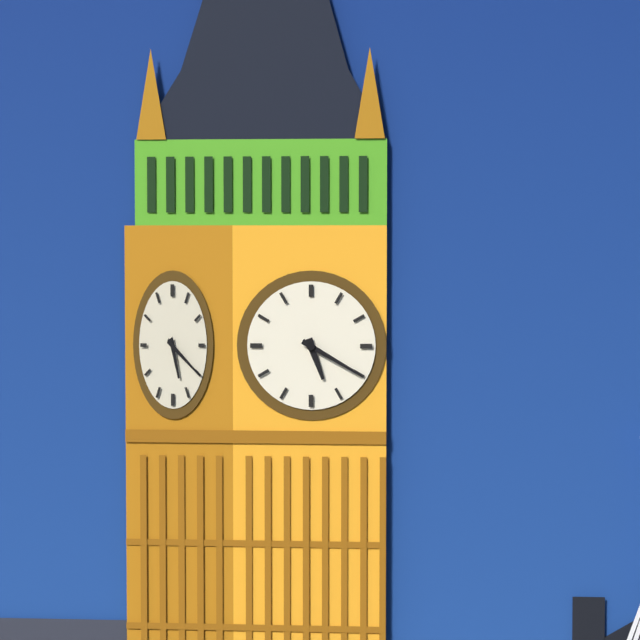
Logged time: 5 h 20 min
